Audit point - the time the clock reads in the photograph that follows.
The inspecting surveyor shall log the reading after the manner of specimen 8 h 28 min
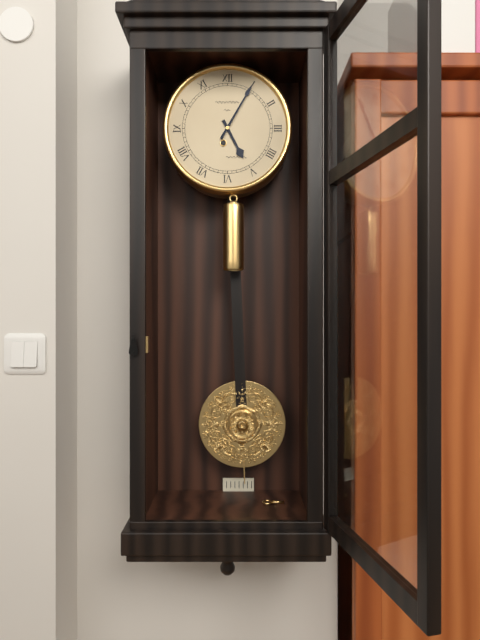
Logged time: 5 h 05 min
